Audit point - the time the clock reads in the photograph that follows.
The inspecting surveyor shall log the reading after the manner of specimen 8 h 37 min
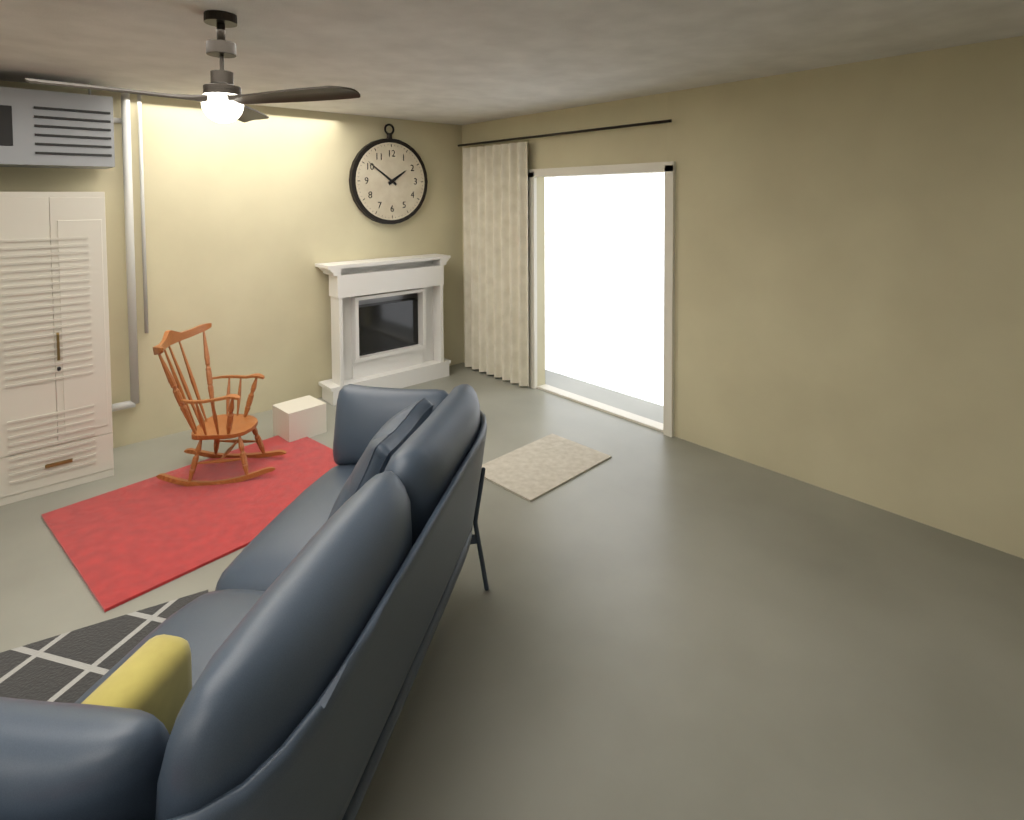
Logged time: 1 h 51 min
